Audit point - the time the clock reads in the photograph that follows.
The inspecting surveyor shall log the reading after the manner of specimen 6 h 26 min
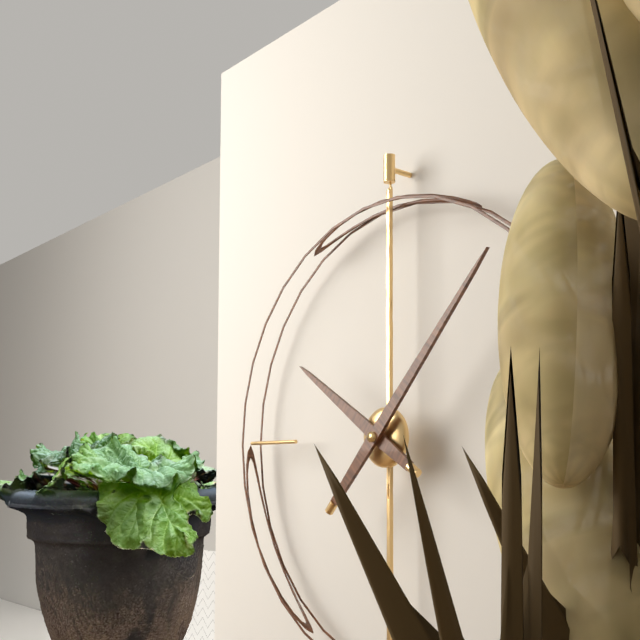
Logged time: 10 h 07 min
